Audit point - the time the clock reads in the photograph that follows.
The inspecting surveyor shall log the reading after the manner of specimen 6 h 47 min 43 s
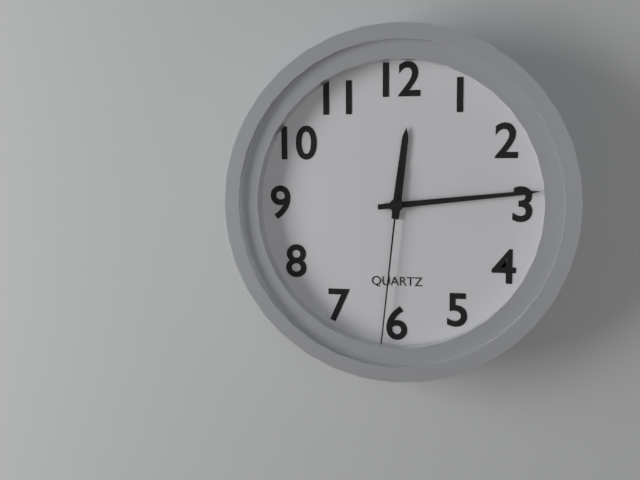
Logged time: 12 h 14 min 31 s
